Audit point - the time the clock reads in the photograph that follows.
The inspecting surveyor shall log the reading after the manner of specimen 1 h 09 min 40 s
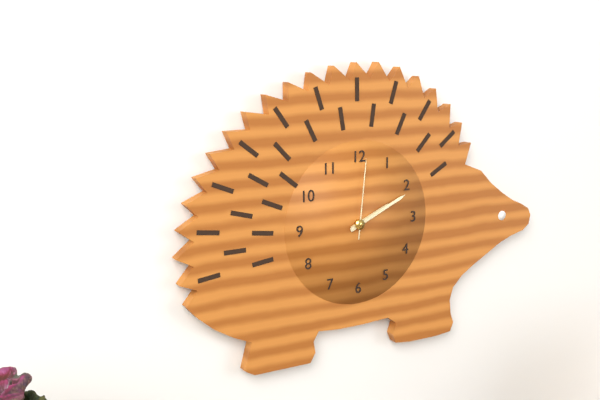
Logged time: 2 h 11 min 01 s
